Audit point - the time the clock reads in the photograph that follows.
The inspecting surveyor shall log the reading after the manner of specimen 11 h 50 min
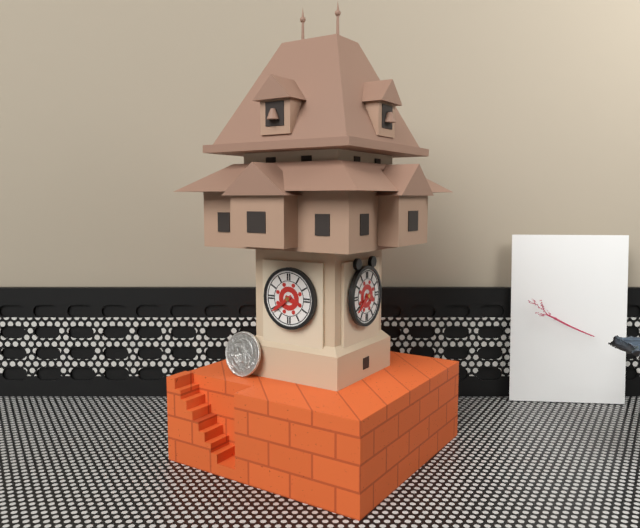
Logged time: 3 h 39 min
